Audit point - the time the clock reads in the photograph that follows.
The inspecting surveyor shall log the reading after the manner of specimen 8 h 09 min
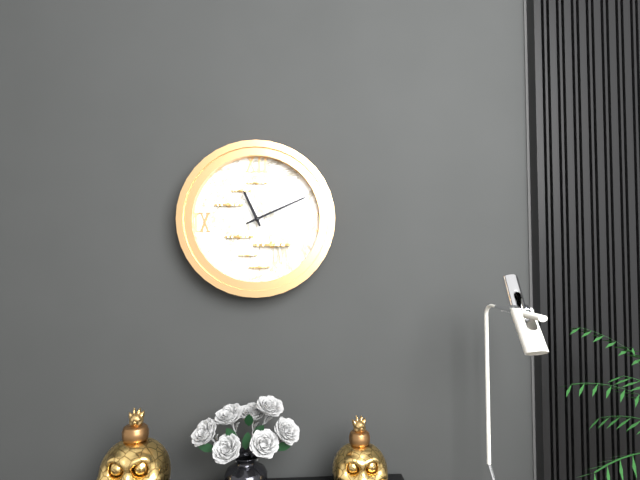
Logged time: 11 h 11 min
